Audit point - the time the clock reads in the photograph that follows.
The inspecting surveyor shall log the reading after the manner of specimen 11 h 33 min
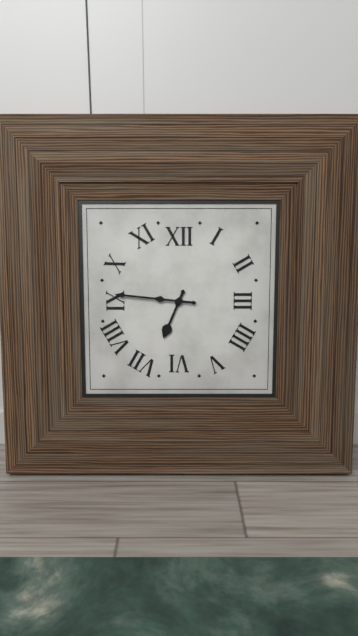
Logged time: 6 h 46 min
